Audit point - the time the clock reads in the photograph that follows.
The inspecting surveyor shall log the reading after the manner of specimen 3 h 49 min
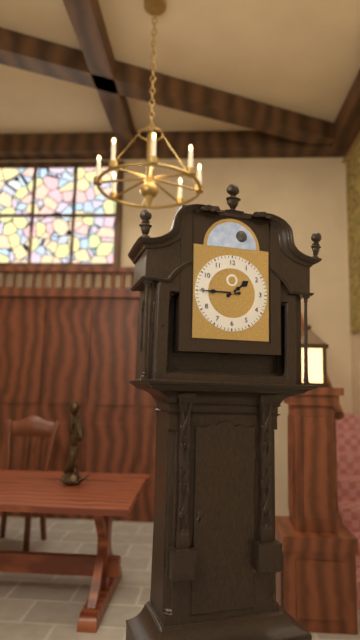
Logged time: 1 h 45 min
